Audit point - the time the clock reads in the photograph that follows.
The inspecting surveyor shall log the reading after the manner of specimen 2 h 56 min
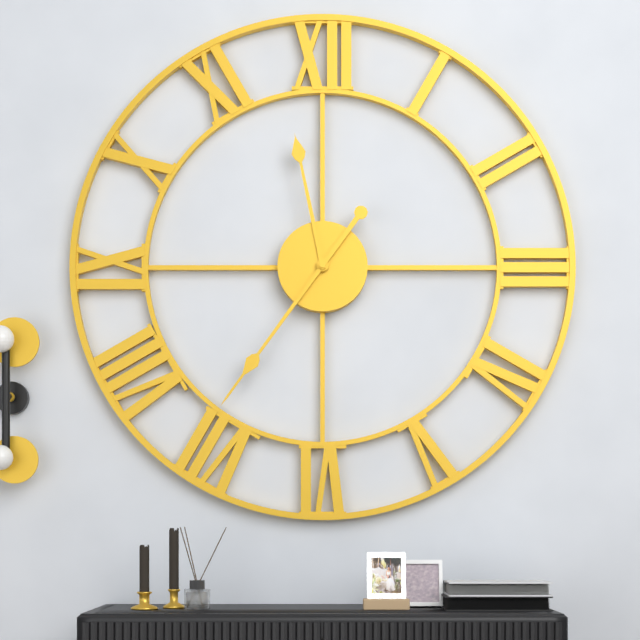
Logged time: 11 h 36 min
